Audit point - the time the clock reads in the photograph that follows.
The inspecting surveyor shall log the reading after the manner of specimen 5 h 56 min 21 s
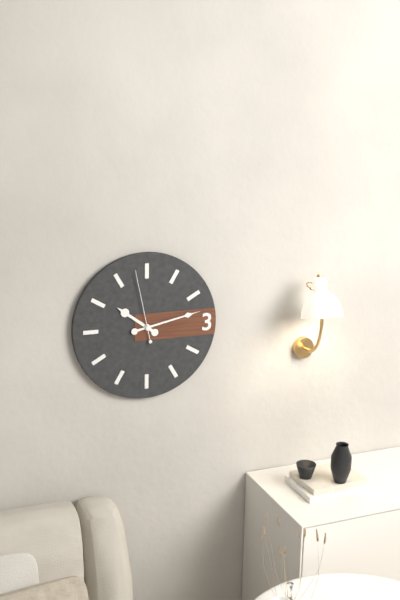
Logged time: 10 h 13 min 58 s
